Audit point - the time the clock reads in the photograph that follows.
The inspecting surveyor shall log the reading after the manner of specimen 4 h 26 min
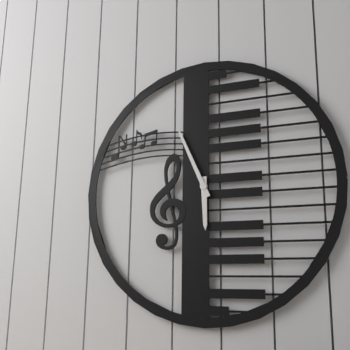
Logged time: 5 h 56 min
